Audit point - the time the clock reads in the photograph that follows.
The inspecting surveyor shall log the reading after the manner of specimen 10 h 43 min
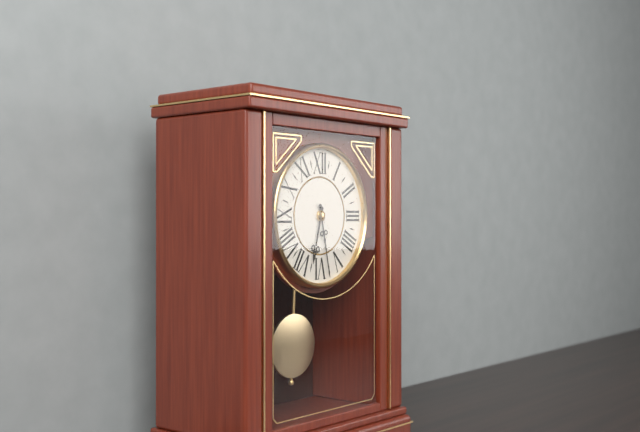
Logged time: 6 h 28 min
